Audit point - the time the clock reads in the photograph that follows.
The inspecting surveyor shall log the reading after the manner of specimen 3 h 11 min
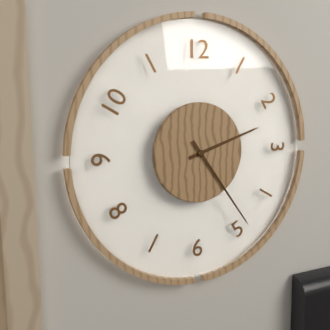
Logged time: 2 h 24 min
